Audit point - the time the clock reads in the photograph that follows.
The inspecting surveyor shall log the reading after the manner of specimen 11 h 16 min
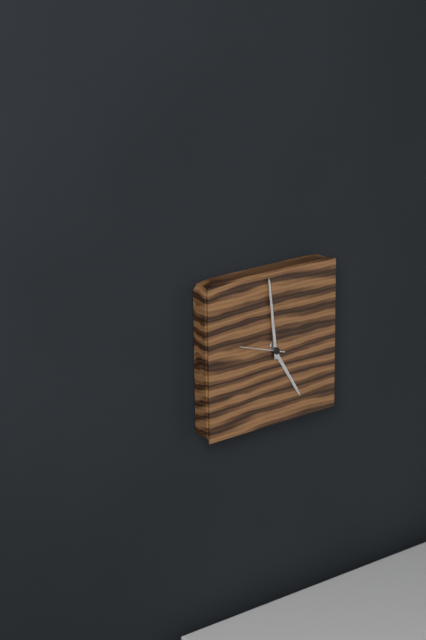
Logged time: 4 h 59 min
